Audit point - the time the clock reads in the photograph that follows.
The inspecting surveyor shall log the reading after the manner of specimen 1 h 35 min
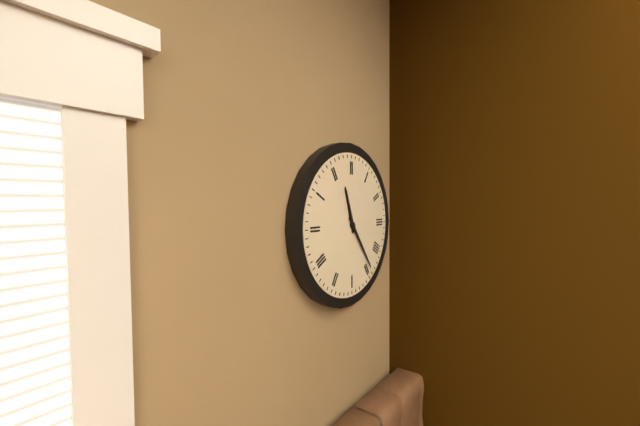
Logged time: 11 h 24 min
